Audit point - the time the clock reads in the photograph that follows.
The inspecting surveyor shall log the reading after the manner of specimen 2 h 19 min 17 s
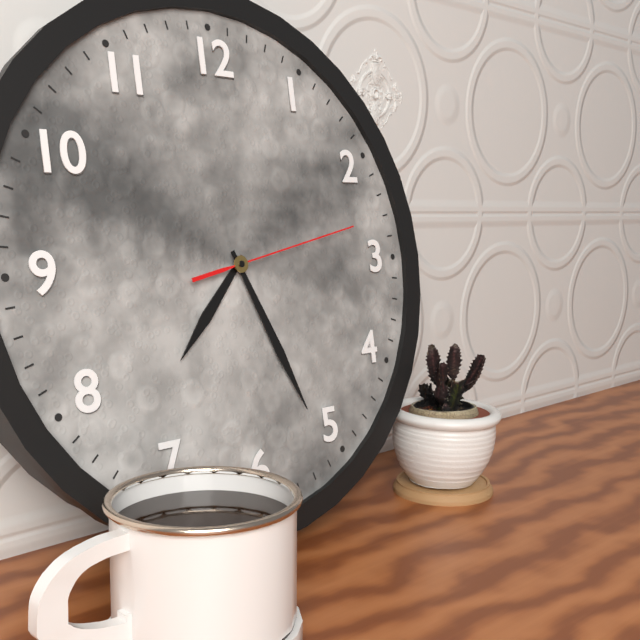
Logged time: 7 h 26 min 13 s
